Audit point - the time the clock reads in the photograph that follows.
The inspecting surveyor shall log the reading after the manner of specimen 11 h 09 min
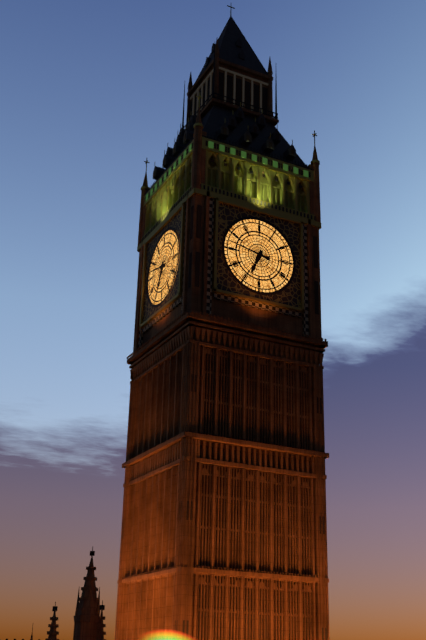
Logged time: 6 h 47 min
